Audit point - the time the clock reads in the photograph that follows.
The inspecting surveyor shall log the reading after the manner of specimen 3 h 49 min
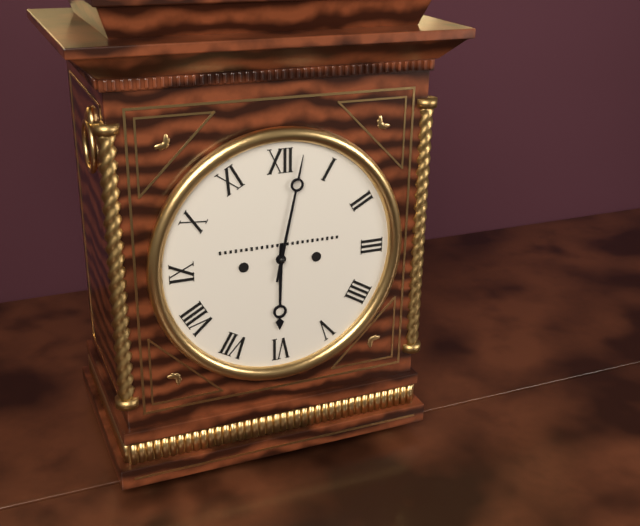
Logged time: 6 h 02 min
